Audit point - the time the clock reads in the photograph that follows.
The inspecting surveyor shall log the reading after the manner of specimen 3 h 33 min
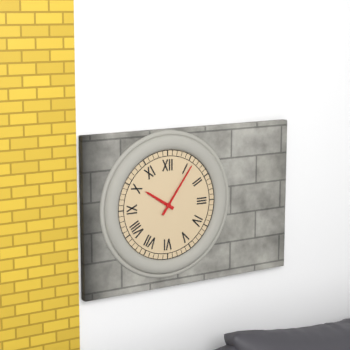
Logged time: 10 h 06 min
